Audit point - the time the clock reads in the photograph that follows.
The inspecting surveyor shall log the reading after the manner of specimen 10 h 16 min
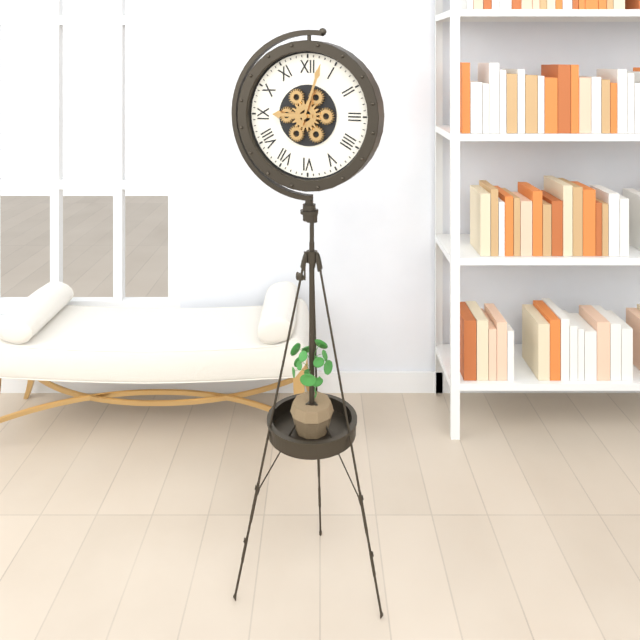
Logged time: 9 h 03 min
